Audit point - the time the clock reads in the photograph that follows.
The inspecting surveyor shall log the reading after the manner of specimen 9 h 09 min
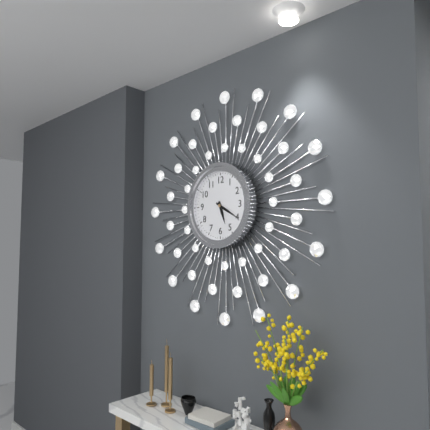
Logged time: 5 h 20 min
